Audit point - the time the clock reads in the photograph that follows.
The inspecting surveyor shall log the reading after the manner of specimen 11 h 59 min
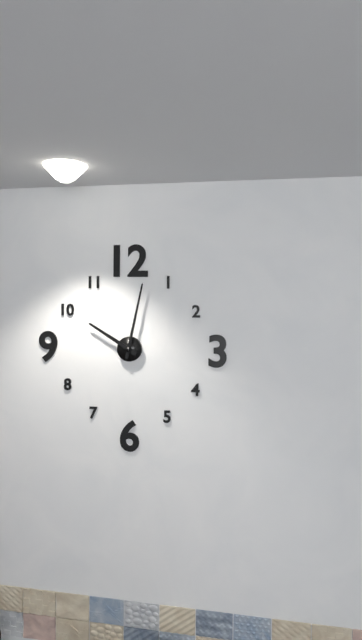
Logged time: 10 h 02 min
